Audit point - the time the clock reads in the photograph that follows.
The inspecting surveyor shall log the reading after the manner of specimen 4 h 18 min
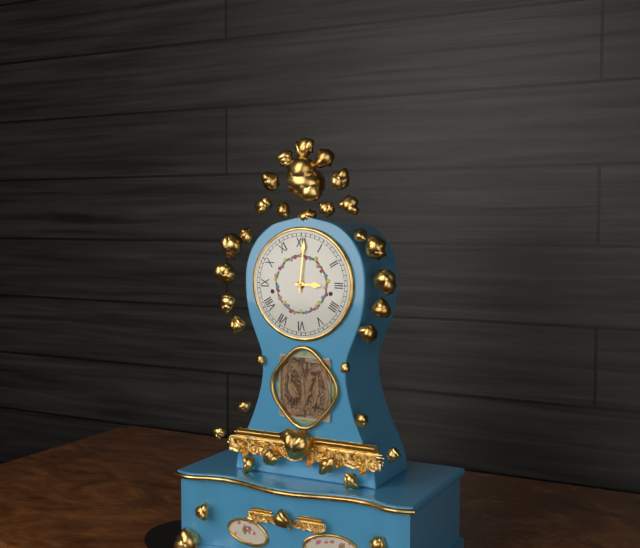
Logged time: 3 h 01 min
